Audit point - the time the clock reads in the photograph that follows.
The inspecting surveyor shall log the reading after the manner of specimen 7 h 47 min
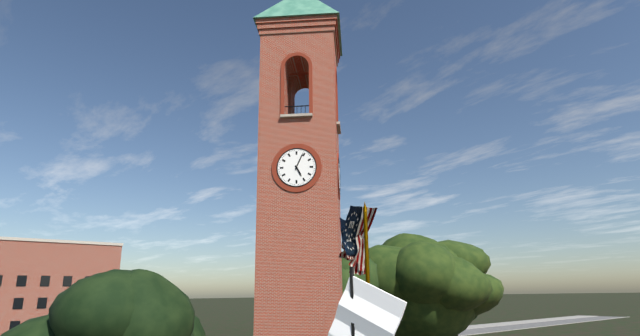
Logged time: 5 h 04 min
